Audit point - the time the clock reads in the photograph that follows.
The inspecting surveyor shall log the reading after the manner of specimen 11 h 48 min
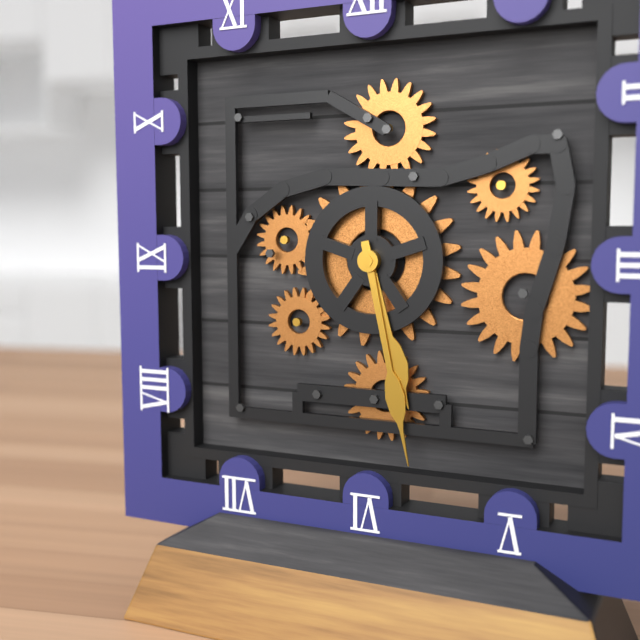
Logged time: 5 h 28 min
